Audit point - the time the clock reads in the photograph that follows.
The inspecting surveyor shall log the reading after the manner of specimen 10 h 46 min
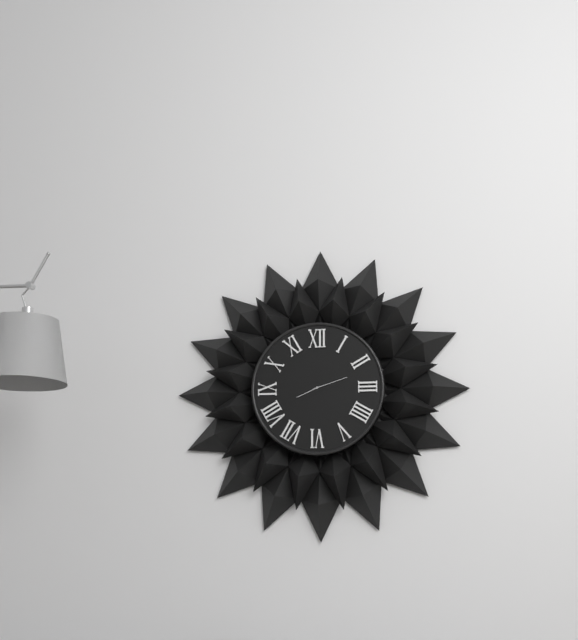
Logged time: 8 h 12 min
